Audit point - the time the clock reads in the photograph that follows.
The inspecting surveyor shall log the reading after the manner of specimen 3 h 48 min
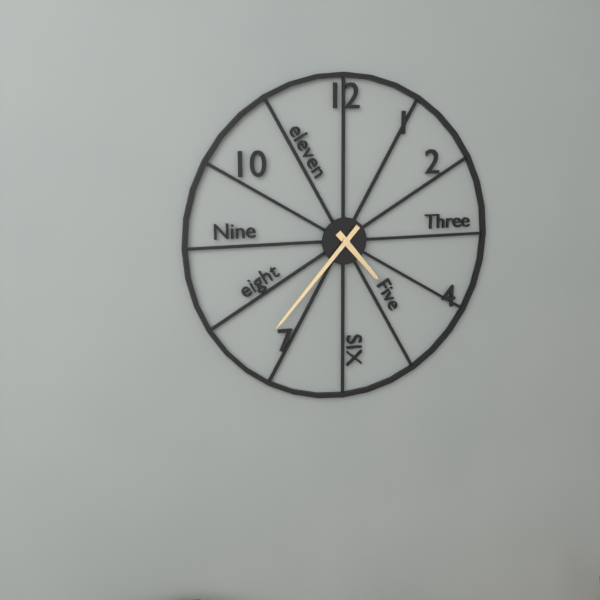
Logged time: 4 h 37 min
